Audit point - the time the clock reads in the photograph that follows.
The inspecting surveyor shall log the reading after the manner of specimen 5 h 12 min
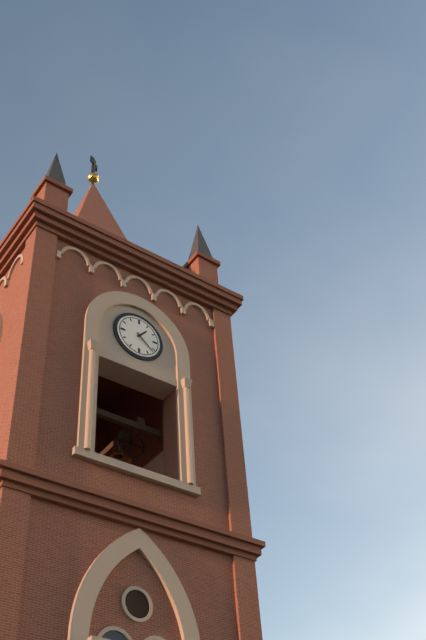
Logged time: 1 h 22 min
